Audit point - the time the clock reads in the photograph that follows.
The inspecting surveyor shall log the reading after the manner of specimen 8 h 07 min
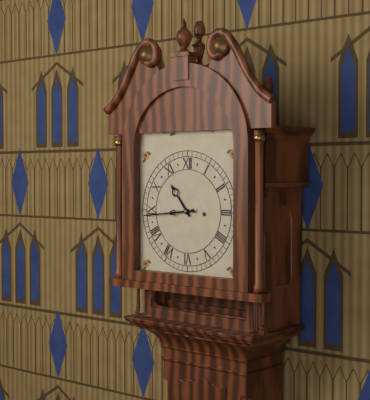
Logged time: 10 h 44 min
